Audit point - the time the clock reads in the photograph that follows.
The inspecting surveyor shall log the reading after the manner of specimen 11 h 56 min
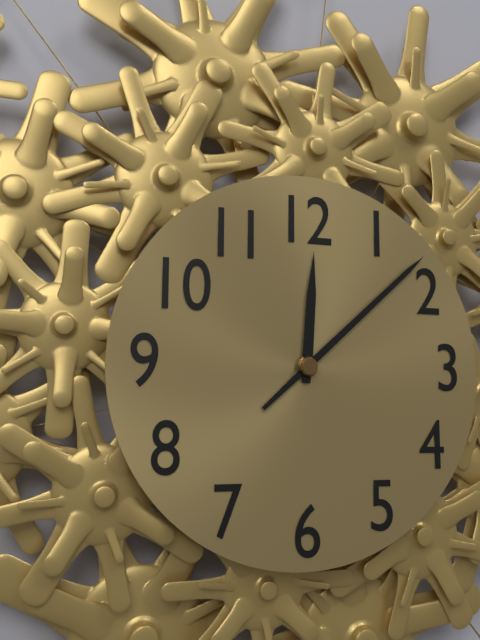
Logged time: 12 h 08 min
